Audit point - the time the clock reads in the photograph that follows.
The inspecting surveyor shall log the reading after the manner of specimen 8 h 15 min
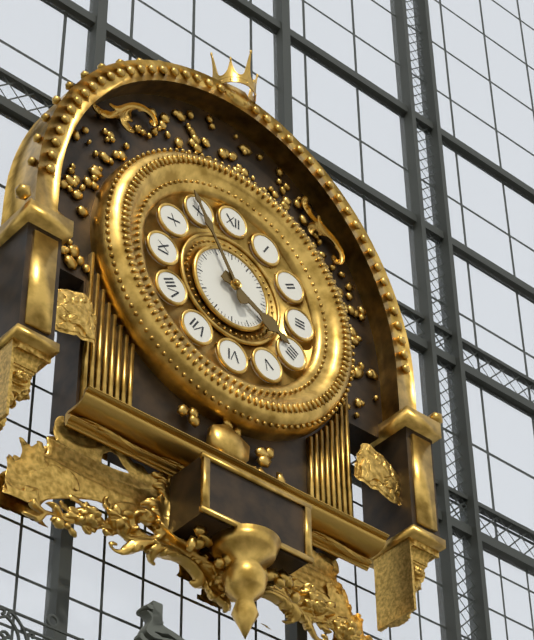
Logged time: 3 h 55 min
